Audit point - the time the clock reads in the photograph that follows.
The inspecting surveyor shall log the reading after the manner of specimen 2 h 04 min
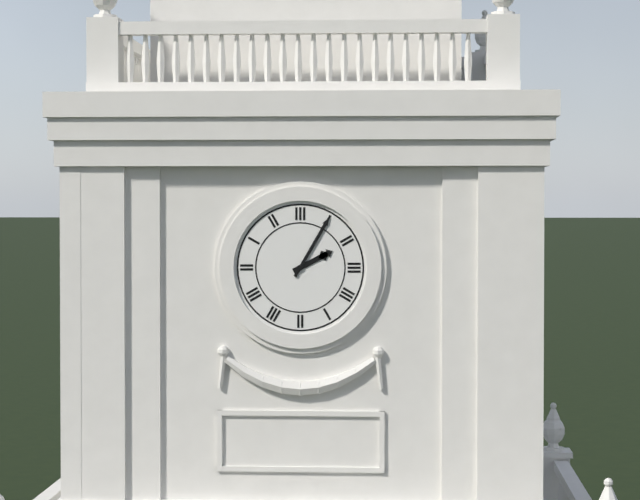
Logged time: 2 h 05 min
